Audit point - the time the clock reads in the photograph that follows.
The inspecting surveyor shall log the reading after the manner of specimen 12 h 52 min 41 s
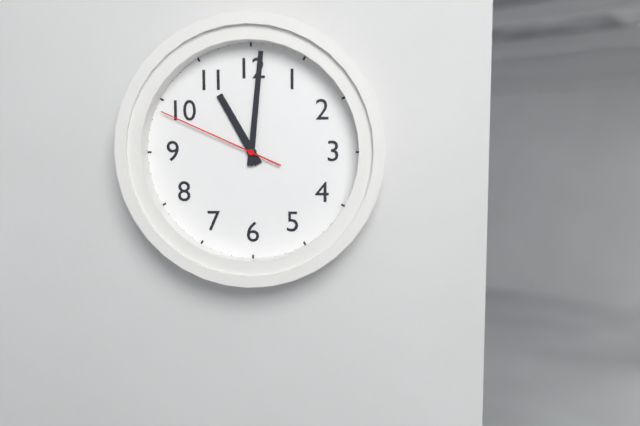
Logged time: 11 h 01 min 49 s
